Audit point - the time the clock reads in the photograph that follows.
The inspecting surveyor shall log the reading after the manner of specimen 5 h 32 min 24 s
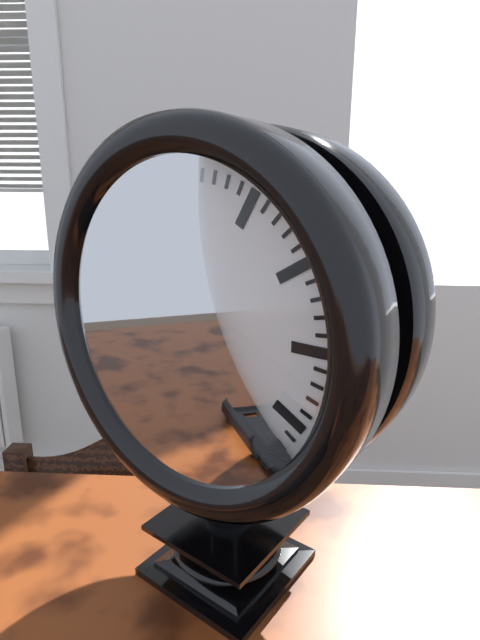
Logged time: 11 h 36 min 30 s
